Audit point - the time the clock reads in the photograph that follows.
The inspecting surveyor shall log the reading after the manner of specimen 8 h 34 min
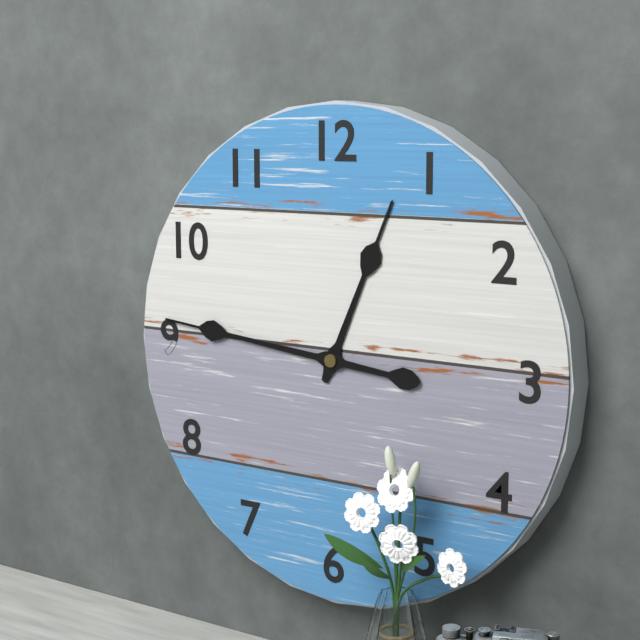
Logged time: 12 h 46 min
